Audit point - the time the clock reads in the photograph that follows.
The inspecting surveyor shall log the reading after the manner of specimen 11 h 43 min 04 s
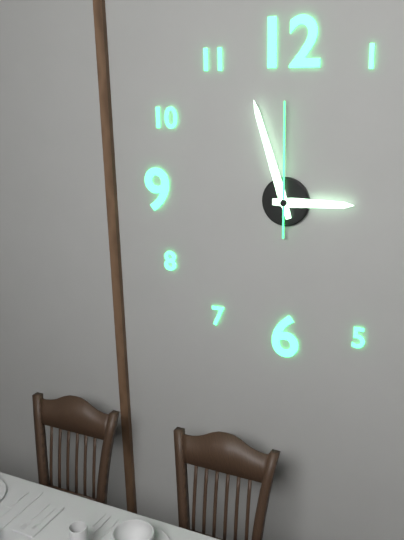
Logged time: 2 h 57 min 00 s
